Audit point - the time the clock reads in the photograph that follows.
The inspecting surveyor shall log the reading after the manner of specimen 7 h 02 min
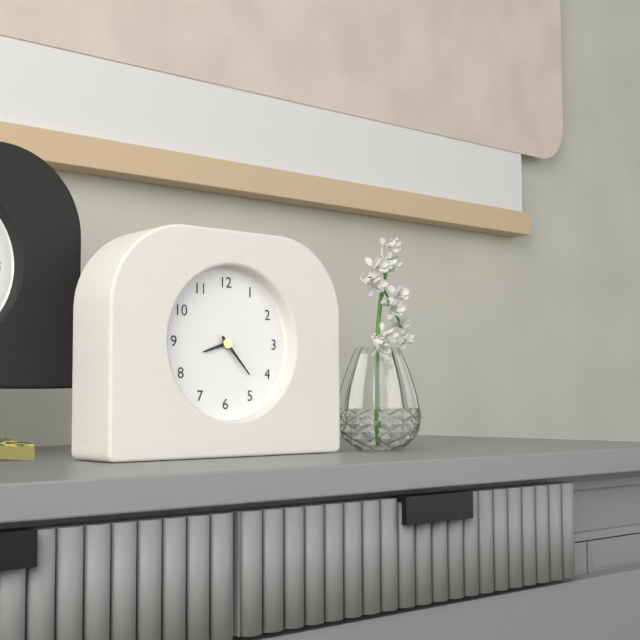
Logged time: 8 h 23 min
